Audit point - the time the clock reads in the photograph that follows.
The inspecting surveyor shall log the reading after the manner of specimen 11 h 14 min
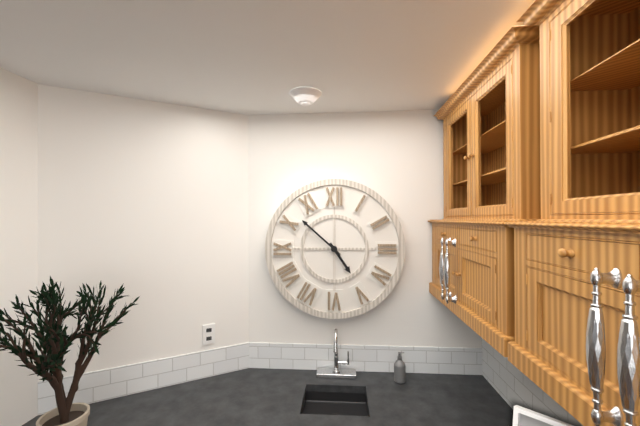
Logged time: 4 h 52 min
